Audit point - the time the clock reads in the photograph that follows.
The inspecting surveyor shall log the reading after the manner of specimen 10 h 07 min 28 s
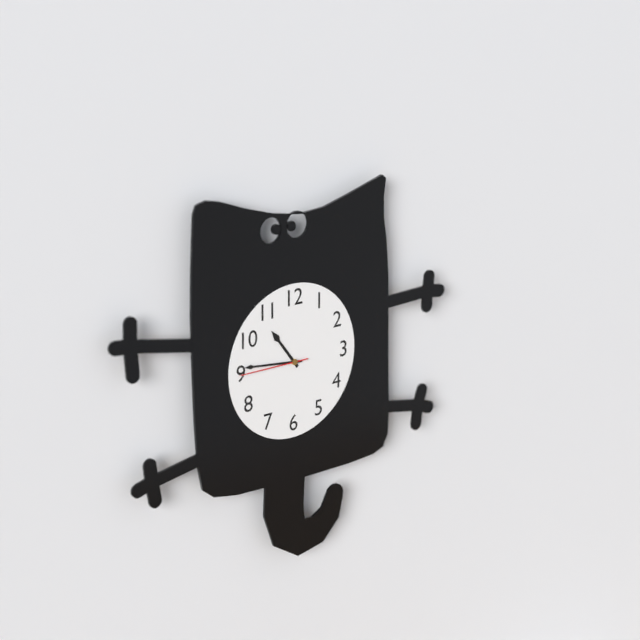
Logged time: 10 h 46 min 45 s
